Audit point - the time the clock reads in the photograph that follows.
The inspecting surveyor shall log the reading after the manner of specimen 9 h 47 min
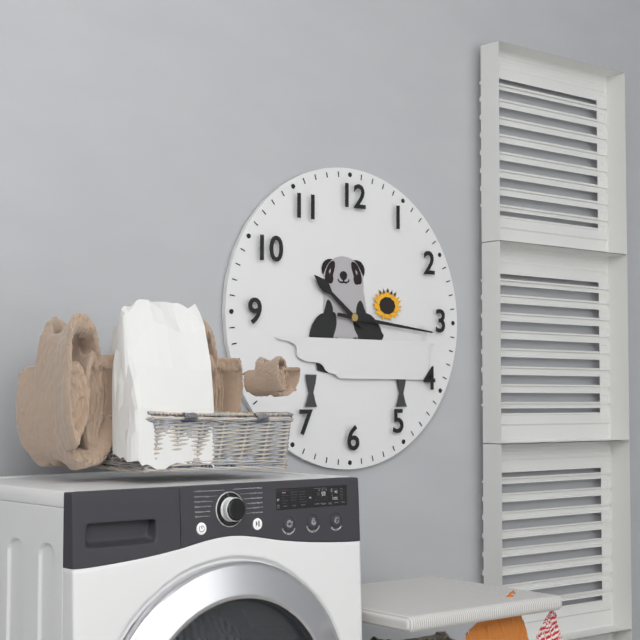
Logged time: 10 h 16 min
